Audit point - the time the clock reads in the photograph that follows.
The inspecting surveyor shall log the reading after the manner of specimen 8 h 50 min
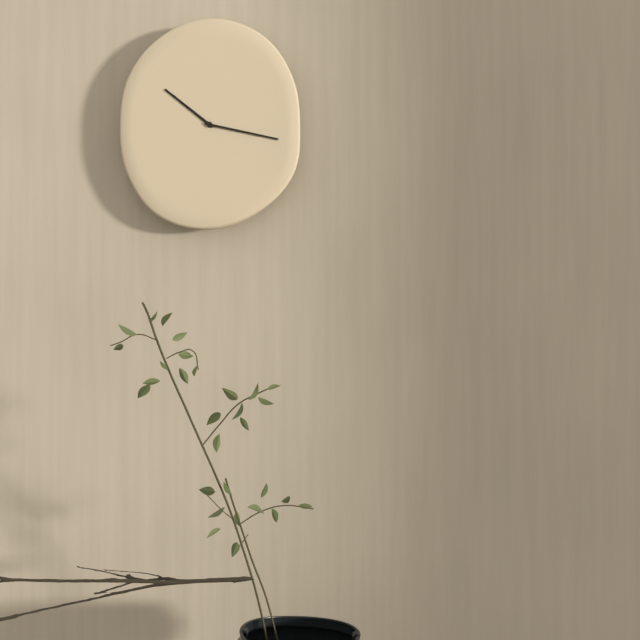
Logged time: 10 h 17 min
